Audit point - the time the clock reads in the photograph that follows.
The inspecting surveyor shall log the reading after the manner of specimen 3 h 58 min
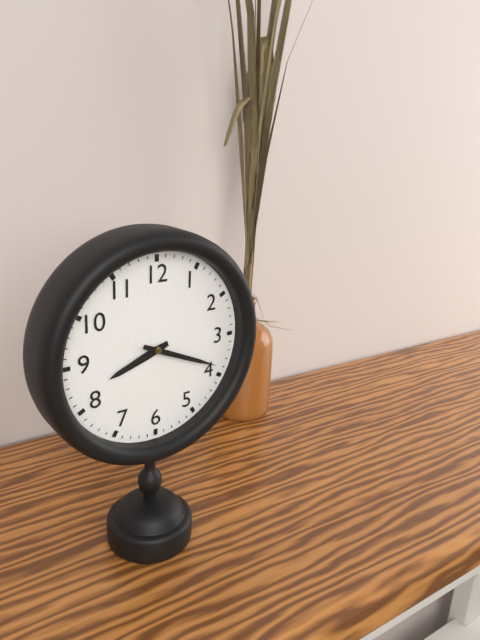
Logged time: 8 h 19 min
